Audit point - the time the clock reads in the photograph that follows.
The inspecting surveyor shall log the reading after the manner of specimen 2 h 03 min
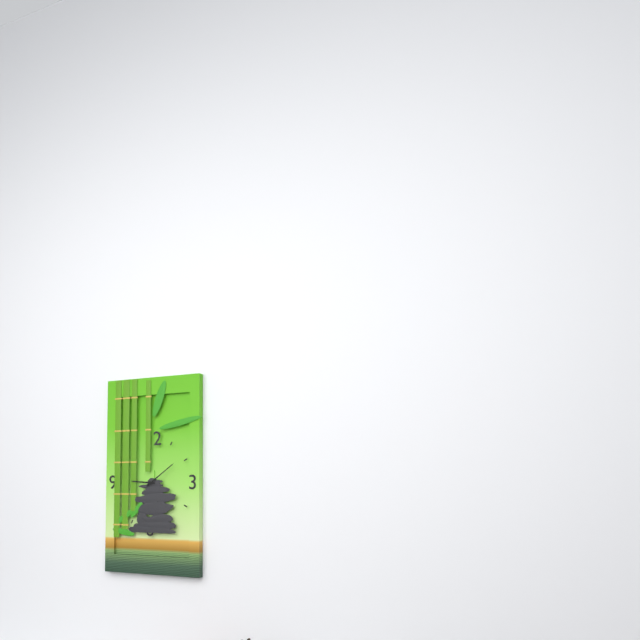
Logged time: 9 h 09 min
